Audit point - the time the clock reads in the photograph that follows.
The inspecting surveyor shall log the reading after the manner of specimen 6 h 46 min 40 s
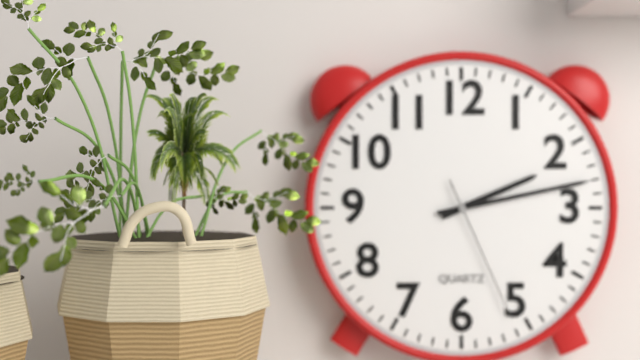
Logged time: 2 h 13 min 26 s
